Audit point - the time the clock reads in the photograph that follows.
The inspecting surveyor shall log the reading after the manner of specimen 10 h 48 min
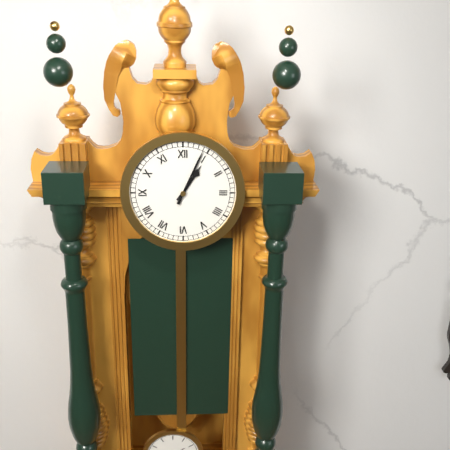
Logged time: 1 h 04 min
